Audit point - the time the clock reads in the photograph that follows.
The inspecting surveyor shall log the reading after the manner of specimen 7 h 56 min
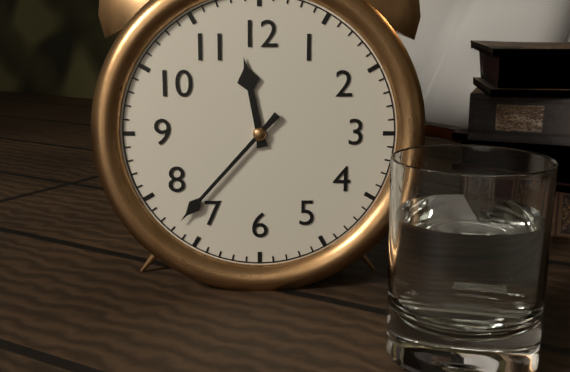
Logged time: 11 h 37 min
